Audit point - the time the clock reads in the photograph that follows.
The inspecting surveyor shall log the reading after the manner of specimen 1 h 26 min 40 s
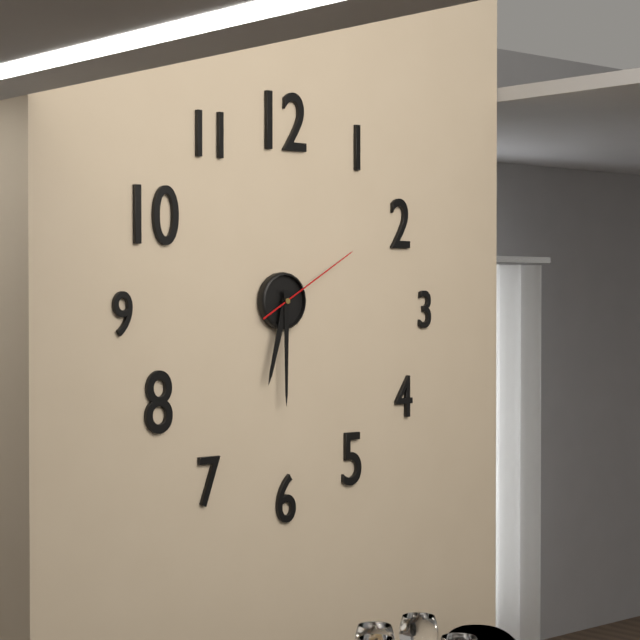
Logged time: 6 h 30 min 10 s
